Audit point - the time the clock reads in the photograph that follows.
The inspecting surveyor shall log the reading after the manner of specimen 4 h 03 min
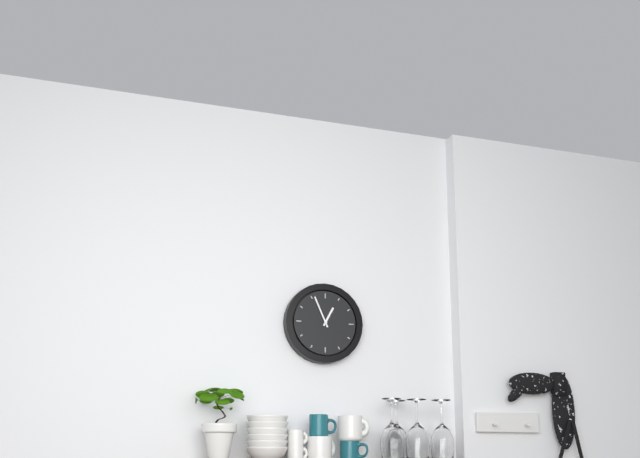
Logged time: 12 h 56 min
